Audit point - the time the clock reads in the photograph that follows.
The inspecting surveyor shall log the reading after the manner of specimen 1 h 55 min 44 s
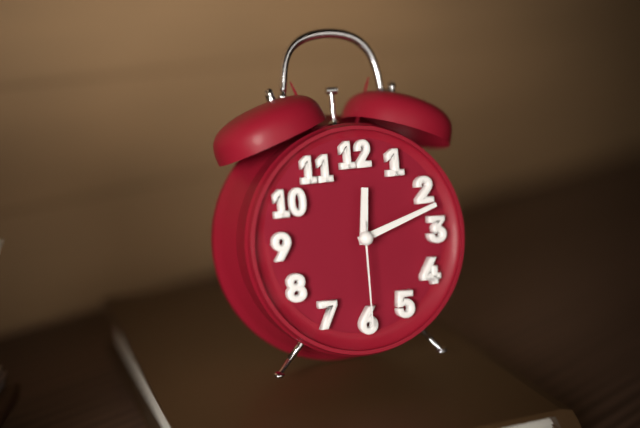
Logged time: 12 h 12 min 30 s
